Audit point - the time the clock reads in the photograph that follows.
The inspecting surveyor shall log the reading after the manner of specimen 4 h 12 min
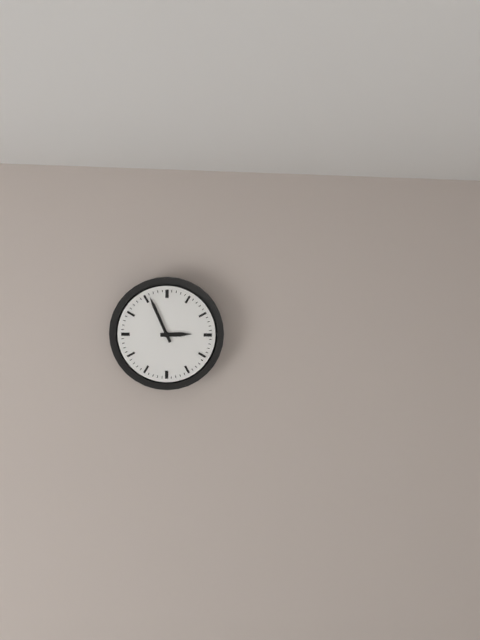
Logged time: 2 h 56 min
